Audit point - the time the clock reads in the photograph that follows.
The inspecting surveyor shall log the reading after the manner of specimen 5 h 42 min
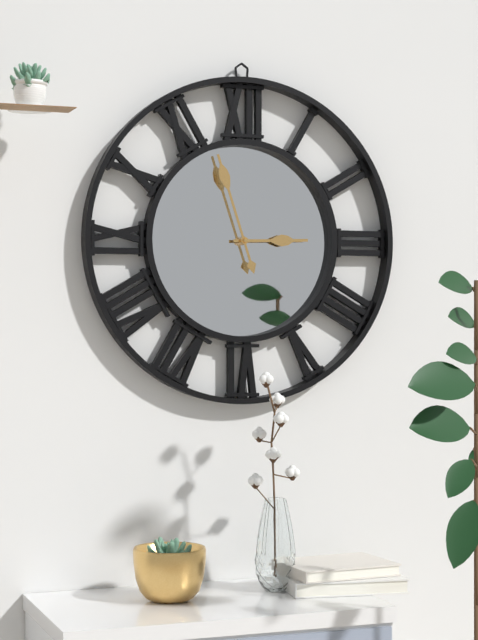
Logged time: 2 h 57 min
